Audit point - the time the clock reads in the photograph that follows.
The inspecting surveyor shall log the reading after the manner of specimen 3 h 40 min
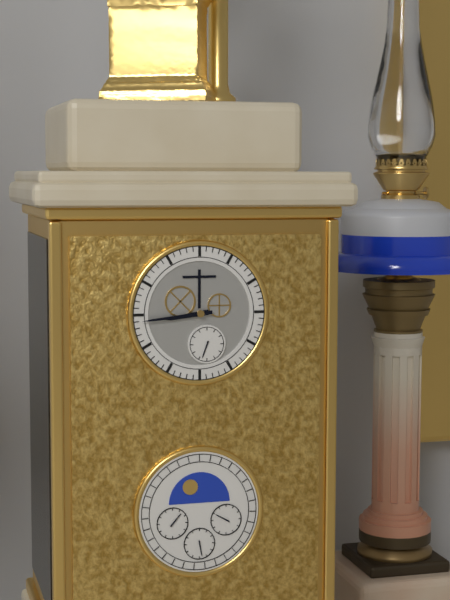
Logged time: 8 h 44 min
